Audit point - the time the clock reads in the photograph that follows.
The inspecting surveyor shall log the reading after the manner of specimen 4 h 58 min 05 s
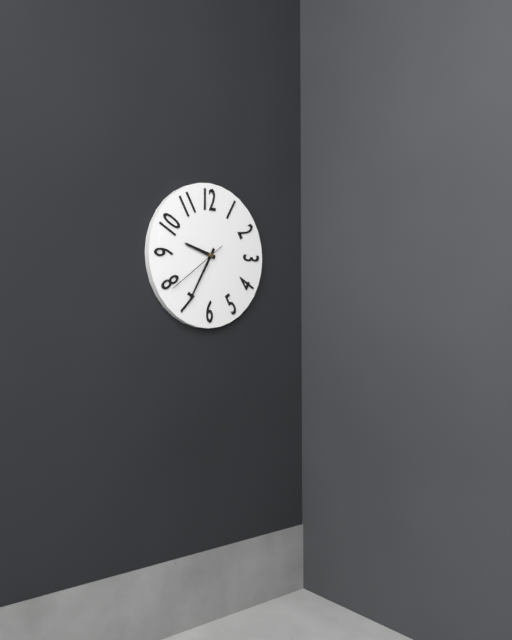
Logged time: 9 h 35 min 39 s
